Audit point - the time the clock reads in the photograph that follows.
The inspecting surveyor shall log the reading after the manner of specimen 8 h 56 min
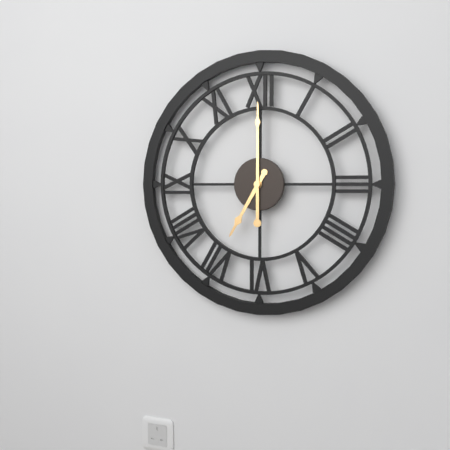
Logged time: 7 h 00 min
